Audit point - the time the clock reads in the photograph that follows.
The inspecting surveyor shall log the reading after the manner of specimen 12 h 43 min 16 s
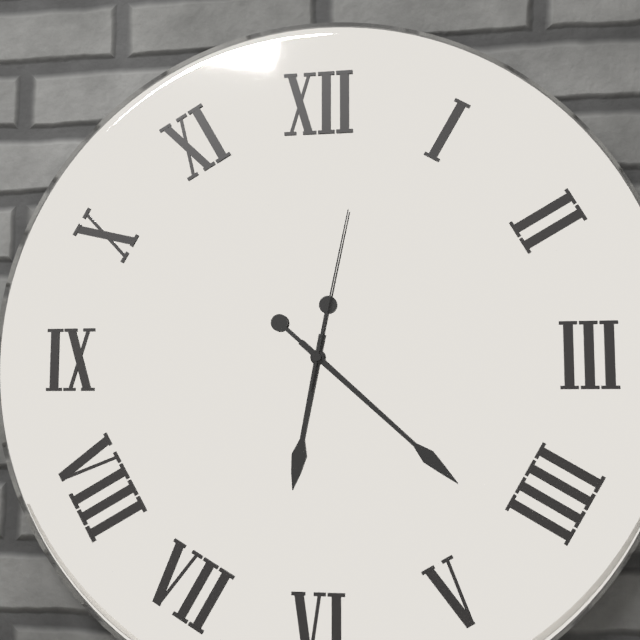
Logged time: 6 h 22 min 02 s
